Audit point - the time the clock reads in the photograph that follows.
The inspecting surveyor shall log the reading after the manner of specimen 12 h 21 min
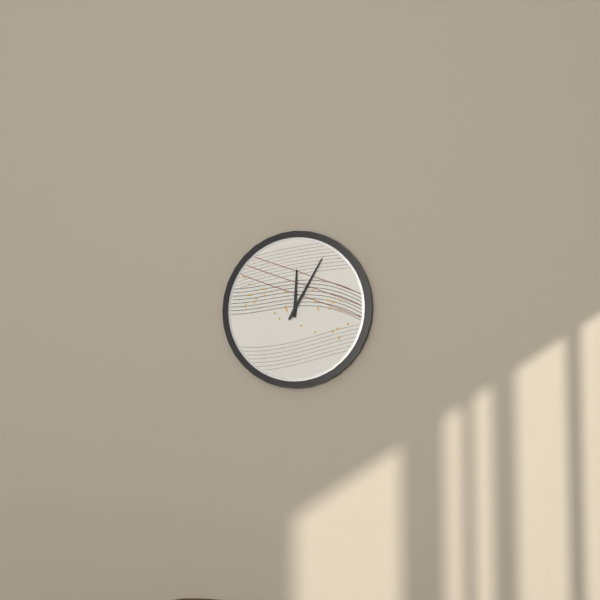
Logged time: 12 h 05 min
